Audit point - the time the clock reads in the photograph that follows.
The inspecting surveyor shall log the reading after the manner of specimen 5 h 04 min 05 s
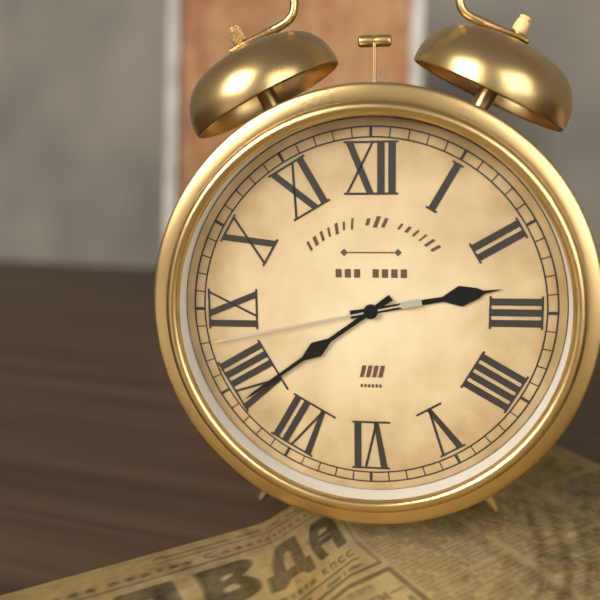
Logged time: 2 h 39 min 43 s
